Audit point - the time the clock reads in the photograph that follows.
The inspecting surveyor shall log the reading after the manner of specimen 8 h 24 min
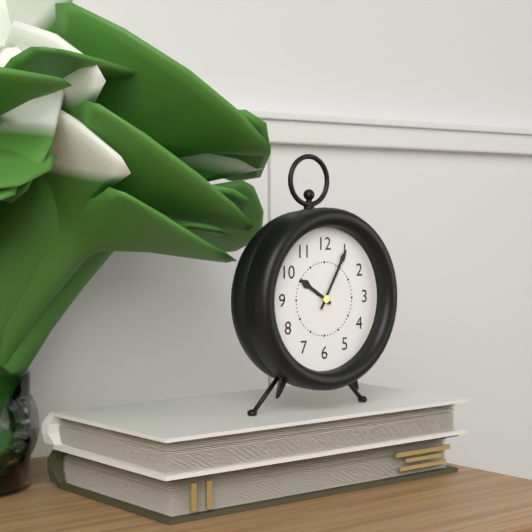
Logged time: 10 h 05 min
